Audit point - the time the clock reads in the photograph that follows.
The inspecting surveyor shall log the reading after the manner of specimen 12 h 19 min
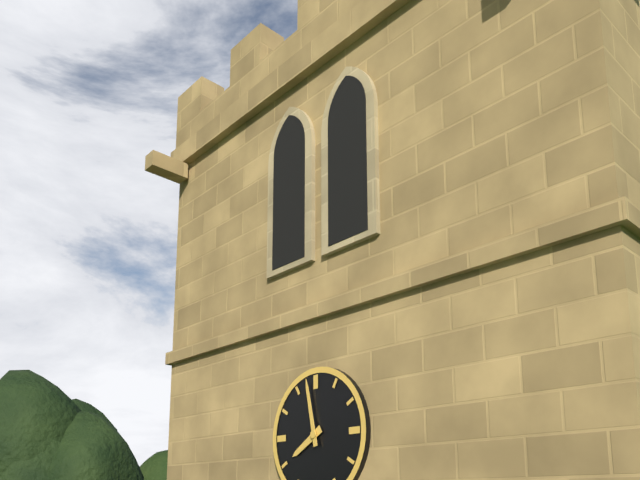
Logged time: 7 h 58 min
